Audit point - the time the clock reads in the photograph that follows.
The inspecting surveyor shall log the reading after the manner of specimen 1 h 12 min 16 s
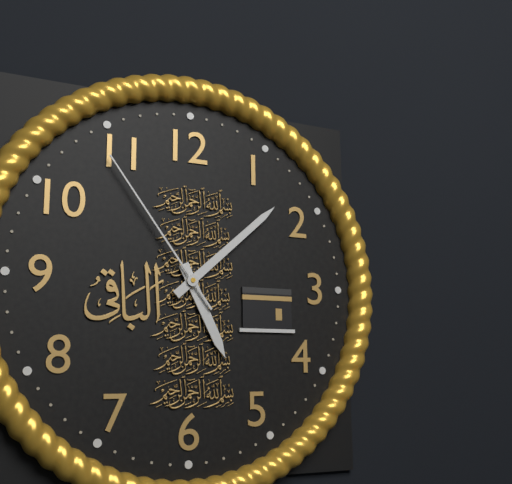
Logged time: 5 h 08 min 54 s
